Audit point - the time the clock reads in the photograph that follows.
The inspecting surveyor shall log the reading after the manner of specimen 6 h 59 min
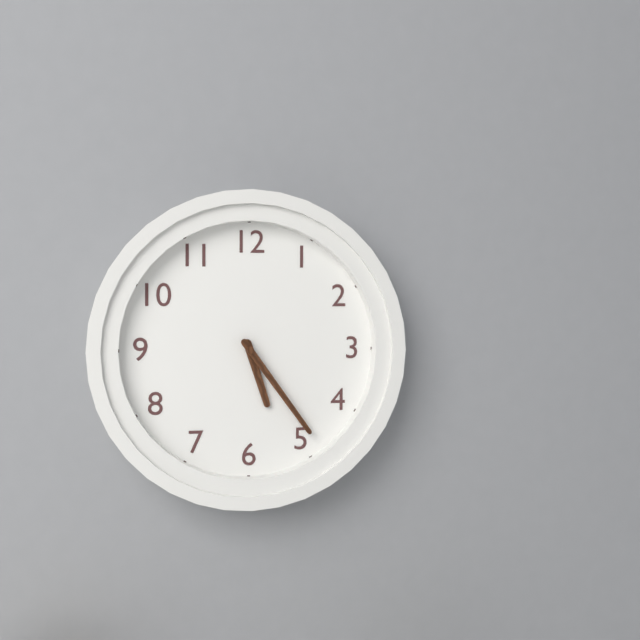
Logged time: 5 h 24 min
